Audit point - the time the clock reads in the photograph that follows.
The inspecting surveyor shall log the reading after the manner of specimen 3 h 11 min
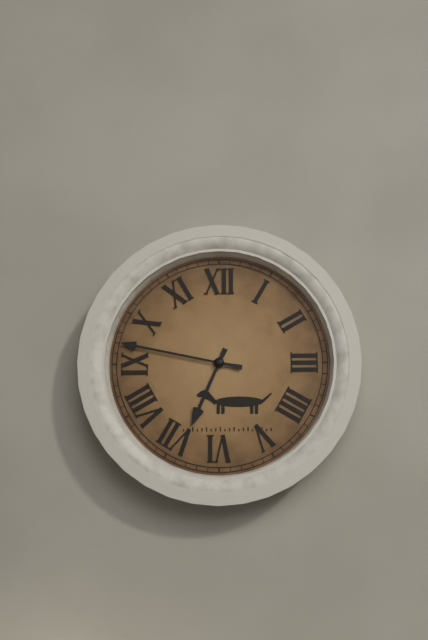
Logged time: 6 h 47 min
